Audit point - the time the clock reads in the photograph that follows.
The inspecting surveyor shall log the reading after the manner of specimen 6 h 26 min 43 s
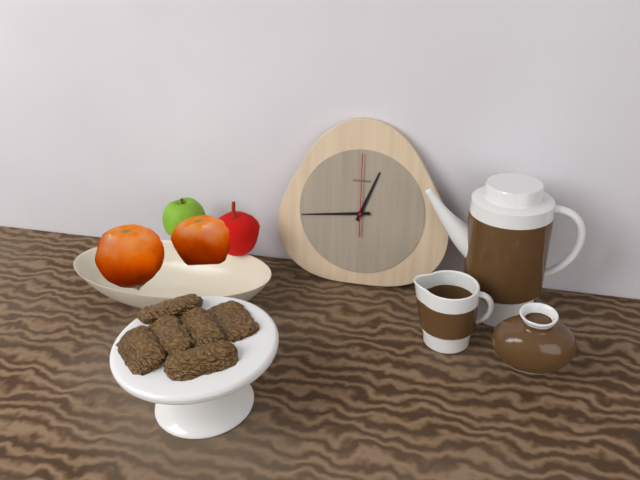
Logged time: 12 h 44 min 00 s
